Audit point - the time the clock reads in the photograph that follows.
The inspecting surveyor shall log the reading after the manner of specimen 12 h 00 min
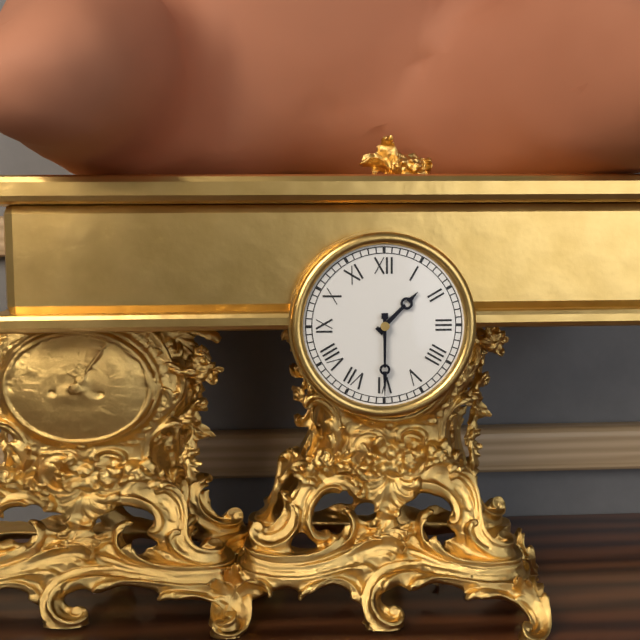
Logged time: 1 h 30 min
